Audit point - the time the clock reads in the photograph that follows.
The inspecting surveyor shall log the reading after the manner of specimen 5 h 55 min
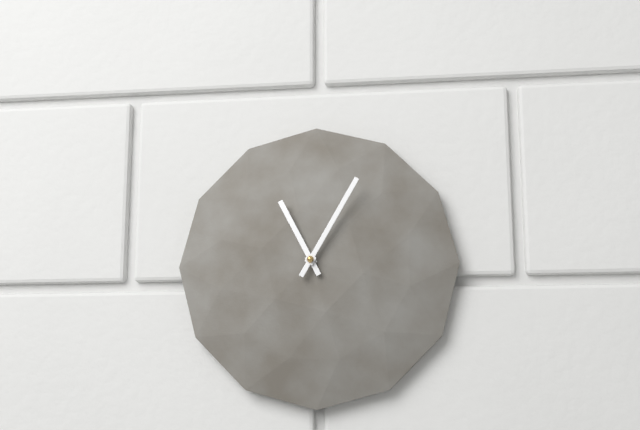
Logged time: 11 h 05 min
